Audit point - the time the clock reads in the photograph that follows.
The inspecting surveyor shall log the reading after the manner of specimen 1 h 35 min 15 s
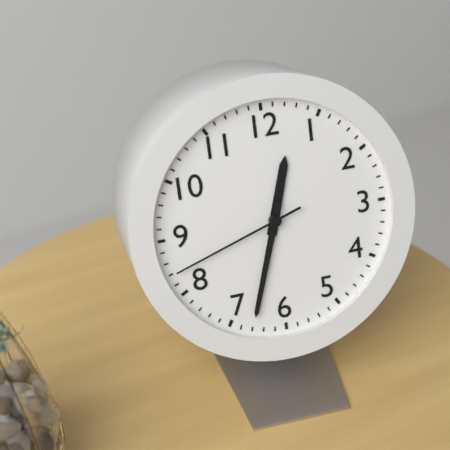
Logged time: 12 h 33 min 42 s
